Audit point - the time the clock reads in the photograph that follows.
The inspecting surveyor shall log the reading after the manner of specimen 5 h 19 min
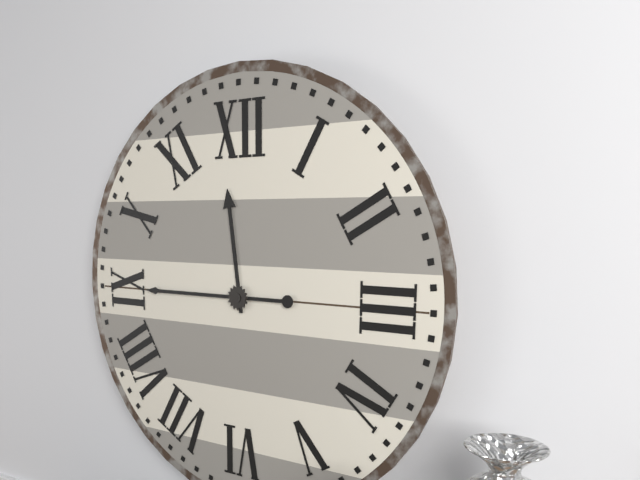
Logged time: 11 h 45 min
